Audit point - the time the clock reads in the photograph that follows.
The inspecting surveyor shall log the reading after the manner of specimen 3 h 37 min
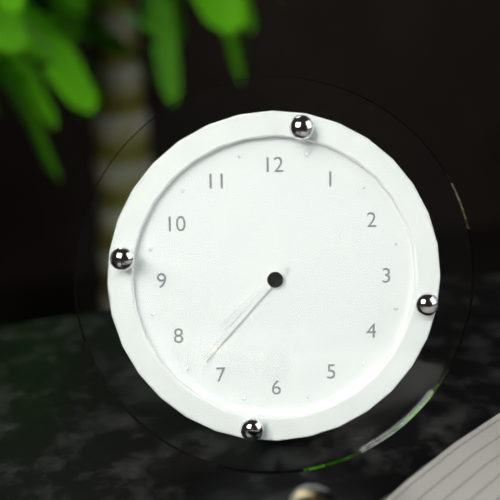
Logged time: 7 h 37 min
